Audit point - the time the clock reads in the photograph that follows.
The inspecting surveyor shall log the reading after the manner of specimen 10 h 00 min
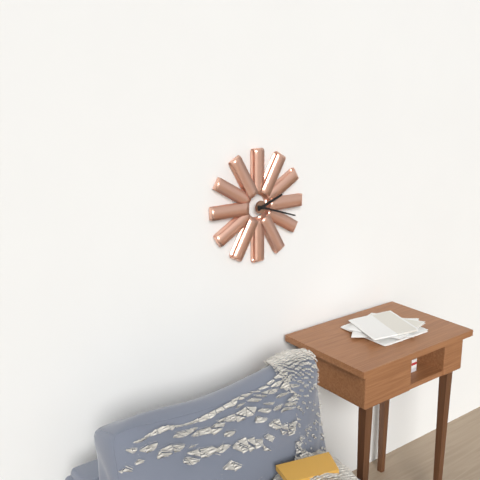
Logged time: 2 h 18 min
